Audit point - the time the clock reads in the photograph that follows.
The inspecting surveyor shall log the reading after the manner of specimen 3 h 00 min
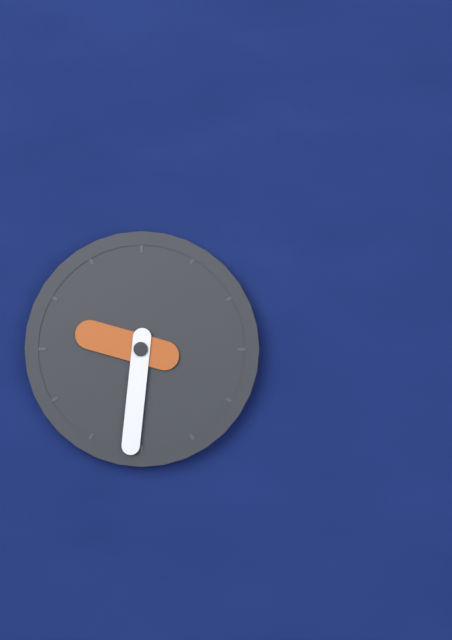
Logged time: 9 h 31 min
